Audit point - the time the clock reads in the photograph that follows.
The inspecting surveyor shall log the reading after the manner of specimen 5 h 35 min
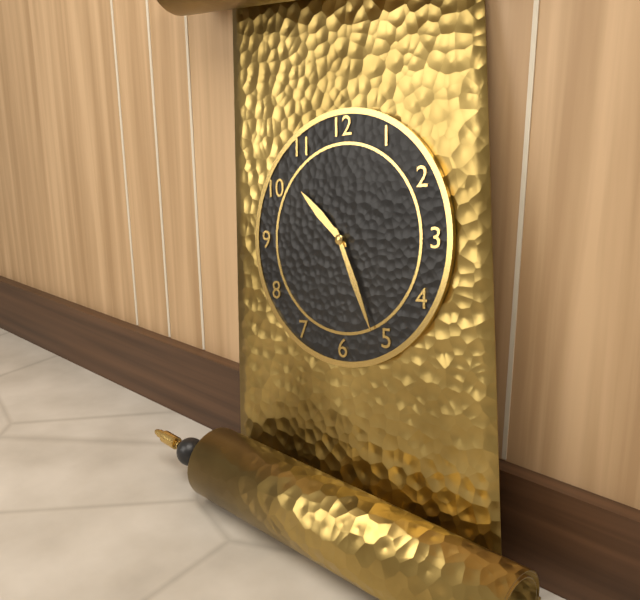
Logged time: 10 h 26 min
